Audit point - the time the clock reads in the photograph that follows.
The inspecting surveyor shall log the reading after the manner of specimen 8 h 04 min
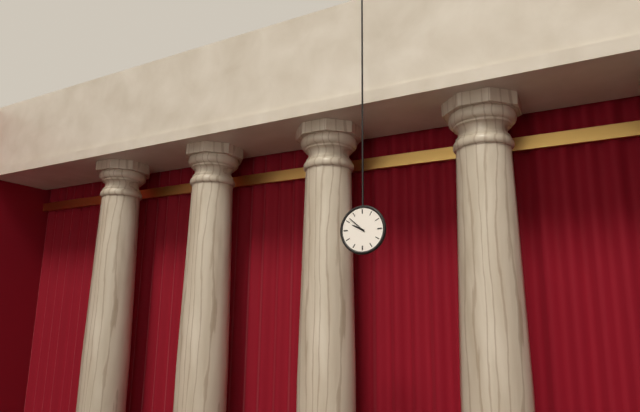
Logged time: 9 h 52 min
